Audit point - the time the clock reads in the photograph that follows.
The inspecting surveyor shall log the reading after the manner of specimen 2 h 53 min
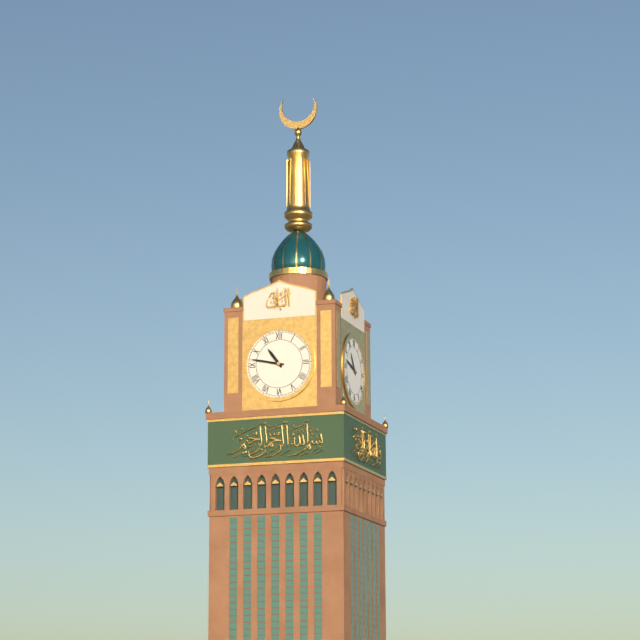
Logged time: 10 h 47 min
